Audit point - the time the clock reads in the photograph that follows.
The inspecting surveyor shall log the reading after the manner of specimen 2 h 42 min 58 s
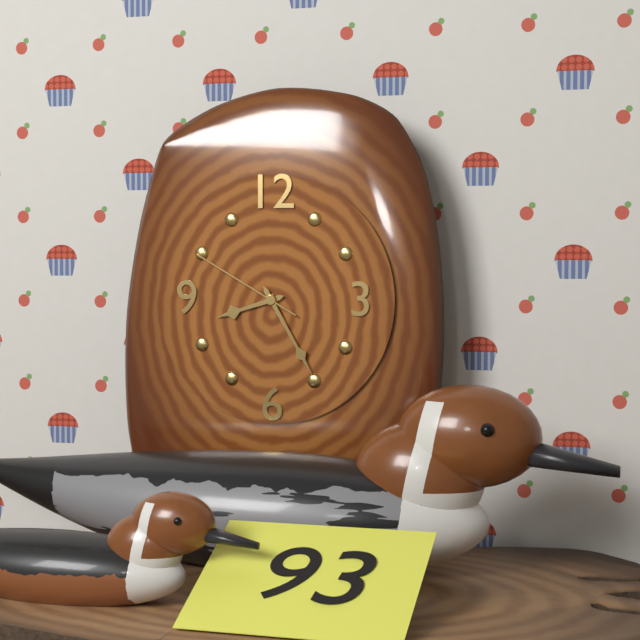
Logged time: 8 h 25 min 50 s
